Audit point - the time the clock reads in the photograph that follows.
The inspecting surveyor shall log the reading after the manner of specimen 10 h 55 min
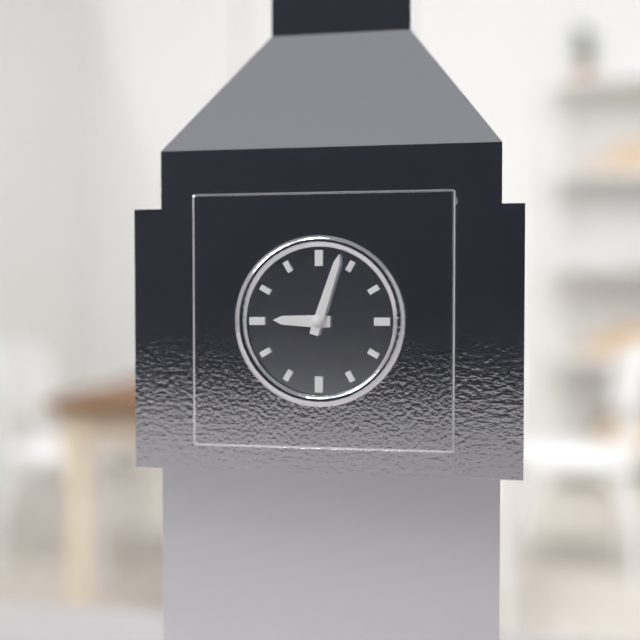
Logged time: 9 h 03 min
